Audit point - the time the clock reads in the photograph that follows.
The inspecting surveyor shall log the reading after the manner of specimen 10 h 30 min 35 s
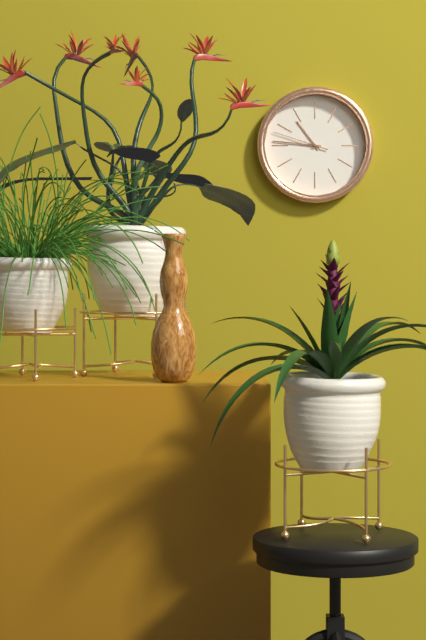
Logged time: 10 h 46 min 48 s
